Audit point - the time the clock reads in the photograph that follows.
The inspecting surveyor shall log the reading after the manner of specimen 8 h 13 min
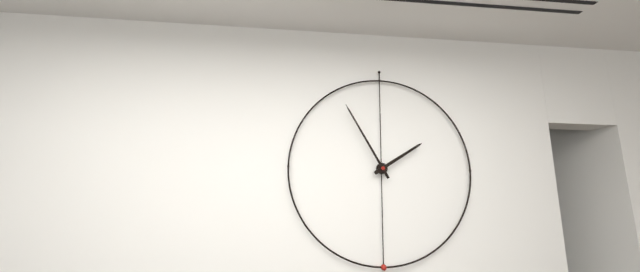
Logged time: 1 h 55 min
